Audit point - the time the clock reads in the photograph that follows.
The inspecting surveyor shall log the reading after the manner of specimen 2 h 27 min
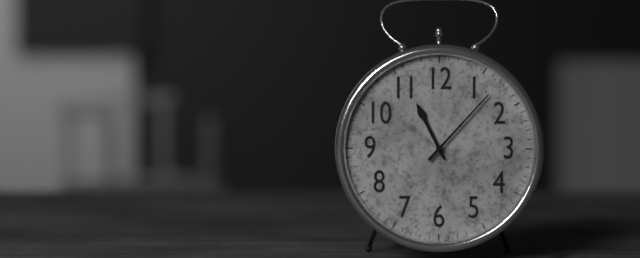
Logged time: 11 h 07 min
